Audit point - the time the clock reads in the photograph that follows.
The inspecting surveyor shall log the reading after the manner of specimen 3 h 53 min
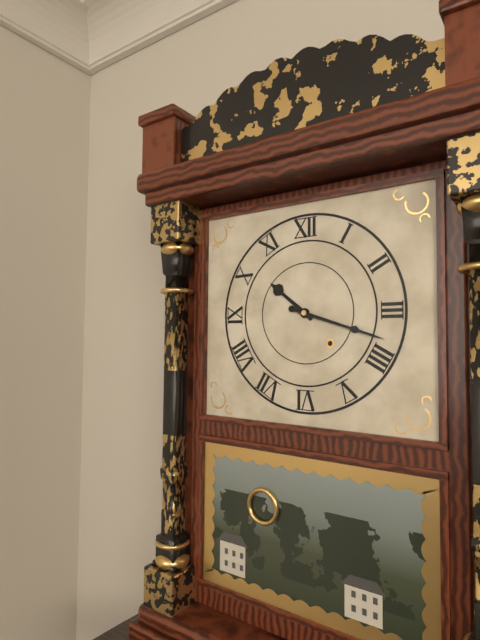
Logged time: 10 h 18 min
